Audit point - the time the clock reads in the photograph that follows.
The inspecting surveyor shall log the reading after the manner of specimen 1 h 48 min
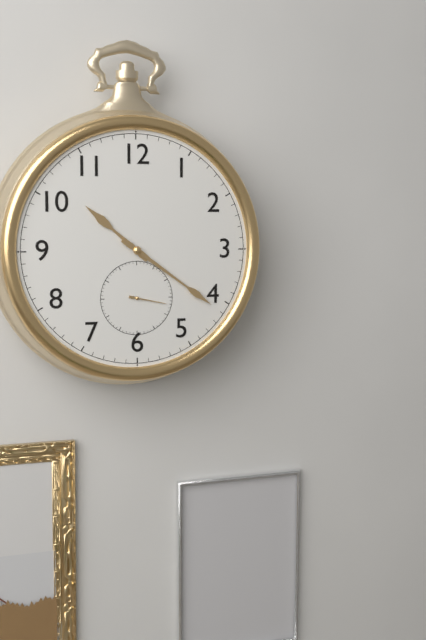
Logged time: 10 h 21 min
